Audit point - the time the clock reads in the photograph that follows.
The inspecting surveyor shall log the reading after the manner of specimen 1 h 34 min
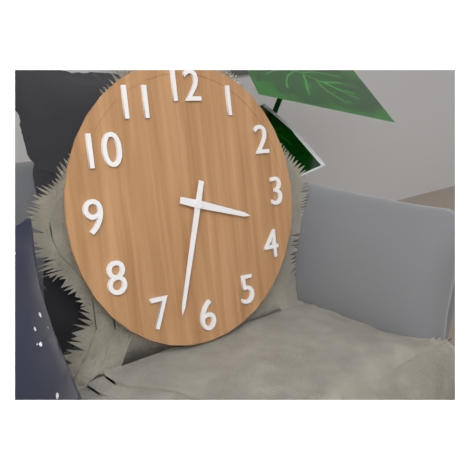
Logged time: 3 h 33 min
